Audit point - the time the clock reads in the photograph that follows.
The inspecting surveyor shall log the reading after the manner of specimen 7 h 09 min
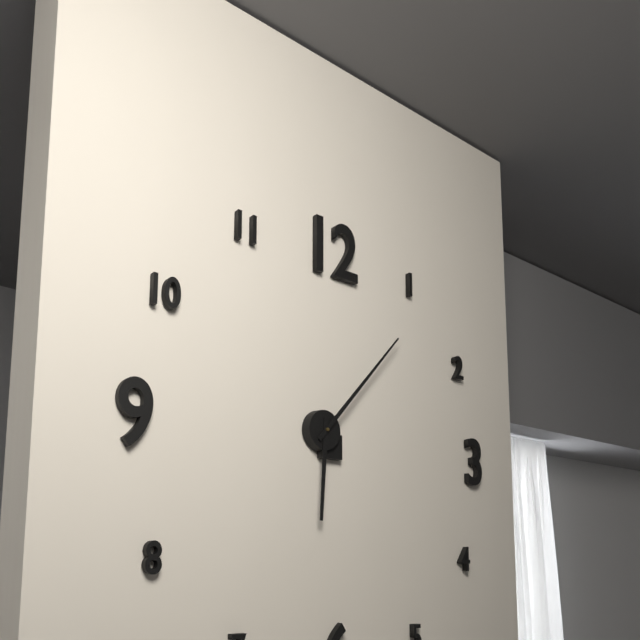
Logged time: 6 h 07 min
